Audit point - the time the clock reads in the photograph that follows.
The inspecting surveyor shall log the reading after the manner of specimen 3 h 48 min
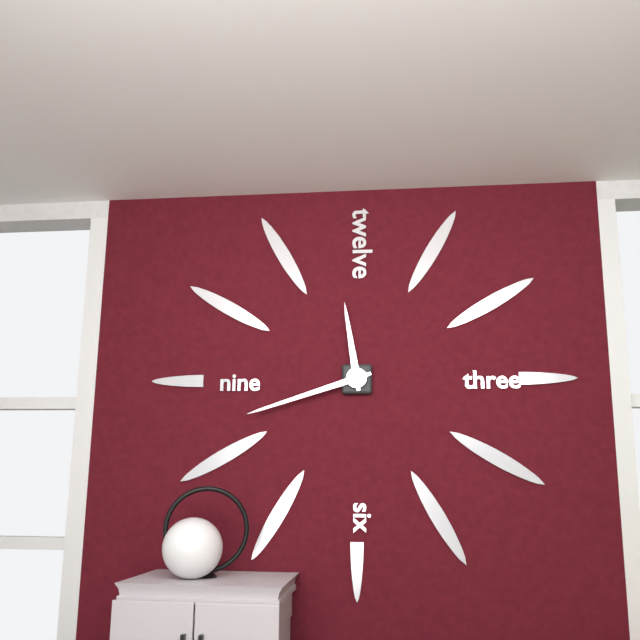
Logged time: 11 h 42 min
